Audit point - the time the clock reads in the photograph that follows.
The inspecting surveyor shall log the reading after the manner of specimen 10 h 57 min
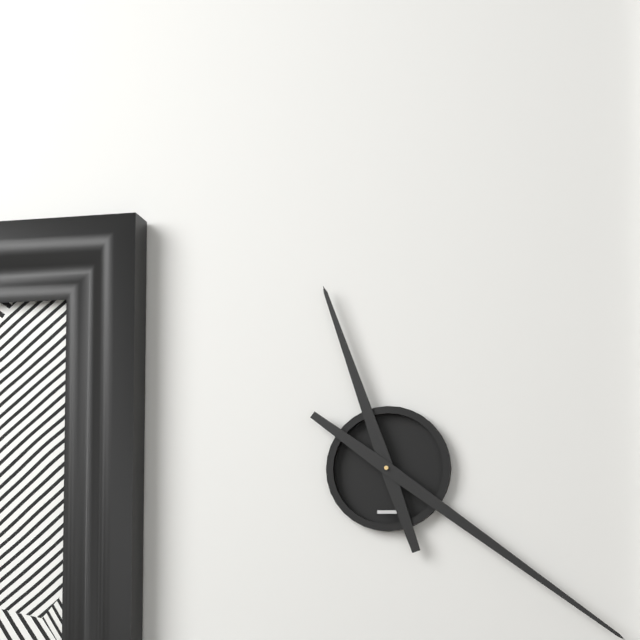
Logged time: 11 h 21 min
